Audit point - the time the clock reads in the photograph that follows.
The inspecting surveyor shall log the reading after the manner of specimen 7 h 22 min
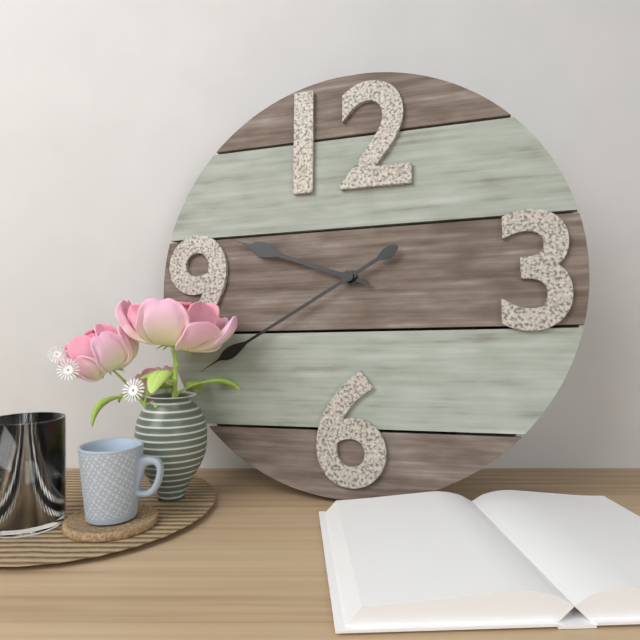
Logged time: 9 h 40 min
